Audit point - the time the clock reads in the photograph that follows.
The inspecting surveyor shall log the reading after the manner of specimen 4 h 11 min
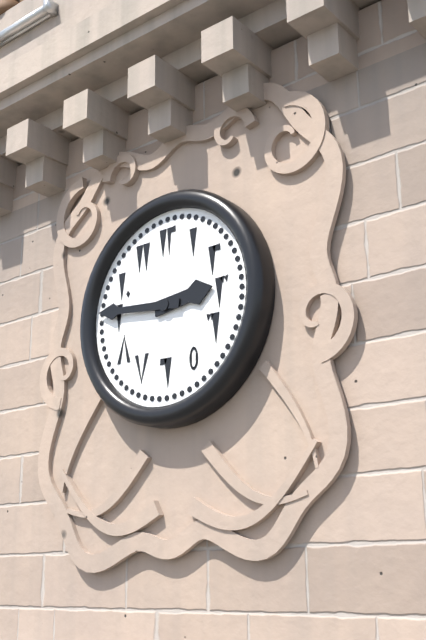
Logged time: 2 h 46 min
